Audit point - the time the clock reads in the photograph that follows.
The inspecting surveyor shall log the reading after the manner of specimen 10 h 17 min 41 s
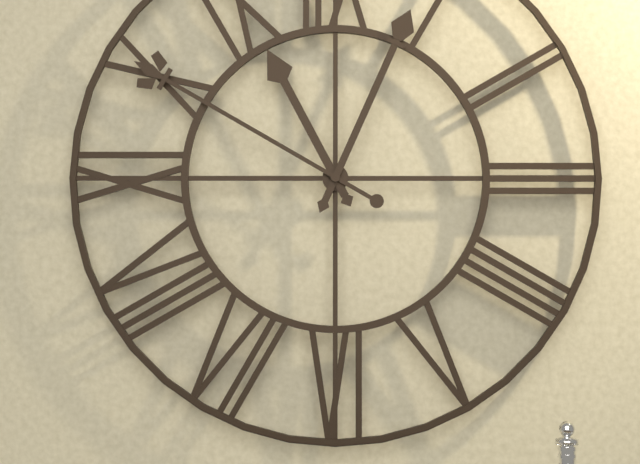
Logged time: 11 h 04 min 50 s
